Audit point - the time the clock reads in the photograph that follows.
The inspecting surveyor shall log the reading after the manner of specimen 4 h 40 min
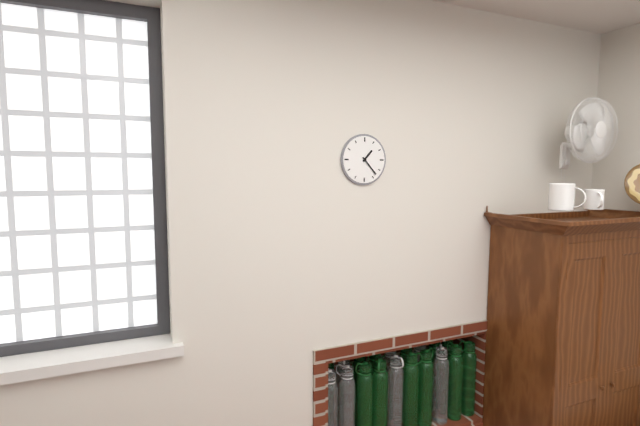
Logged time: 1 h 23 min
